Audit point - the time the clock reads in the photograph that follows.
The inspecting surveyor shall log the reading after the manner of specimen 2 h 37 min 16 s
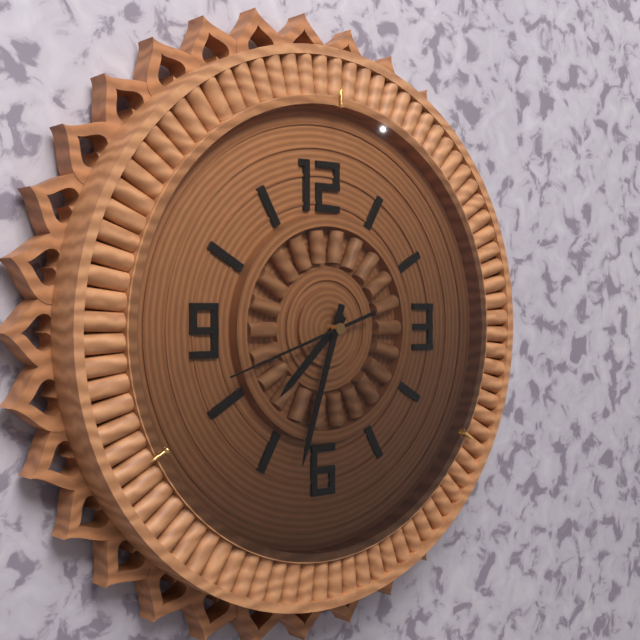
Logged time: 7 h 33 min 42 s
